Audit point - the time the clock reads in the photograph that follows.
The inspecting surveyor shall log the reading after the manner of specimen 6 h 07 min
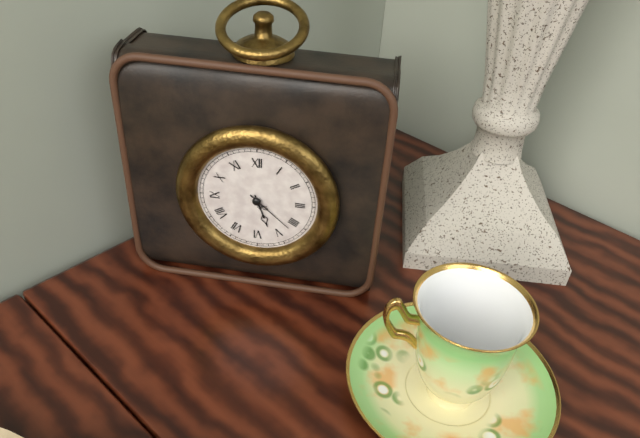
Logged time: 5 h 22 min
